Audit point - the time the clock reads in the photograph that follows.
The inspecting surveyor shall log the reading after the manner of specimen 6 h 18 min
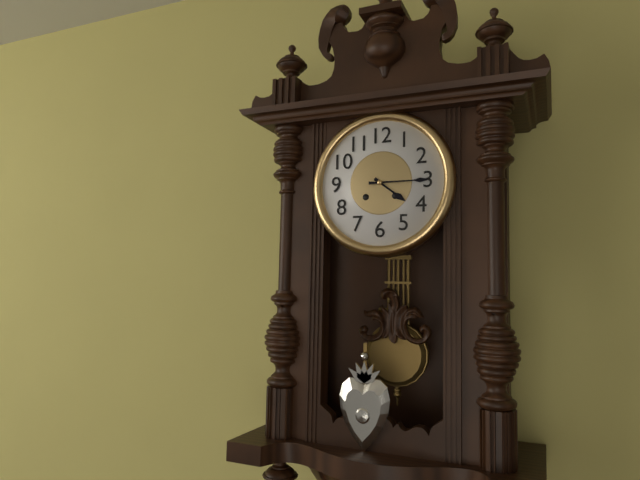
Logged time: 4 h 15 min
